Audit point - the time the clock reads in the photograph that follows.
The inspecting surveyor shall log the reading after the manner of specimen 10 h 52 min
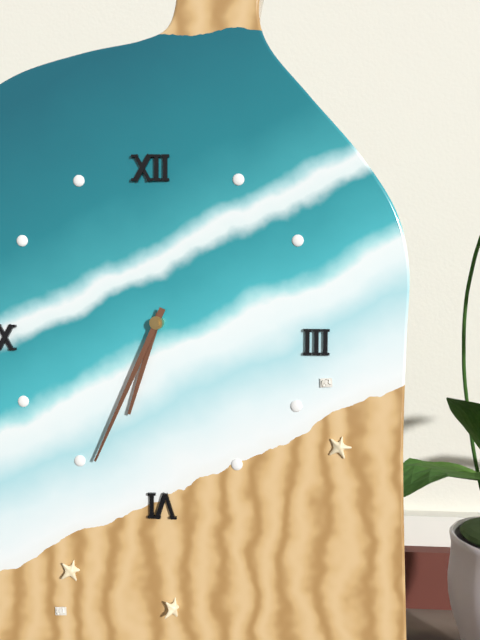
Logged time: 6 h 34 min
